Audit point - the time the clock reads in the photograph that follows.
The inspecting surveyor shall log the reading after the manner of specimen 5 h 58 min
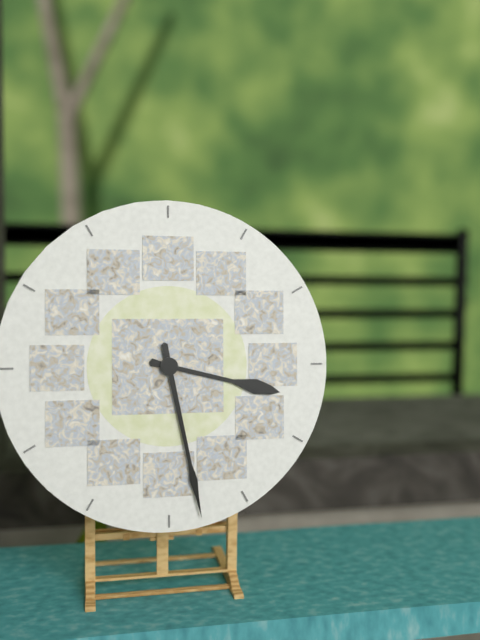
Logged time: 3 h 28 min
